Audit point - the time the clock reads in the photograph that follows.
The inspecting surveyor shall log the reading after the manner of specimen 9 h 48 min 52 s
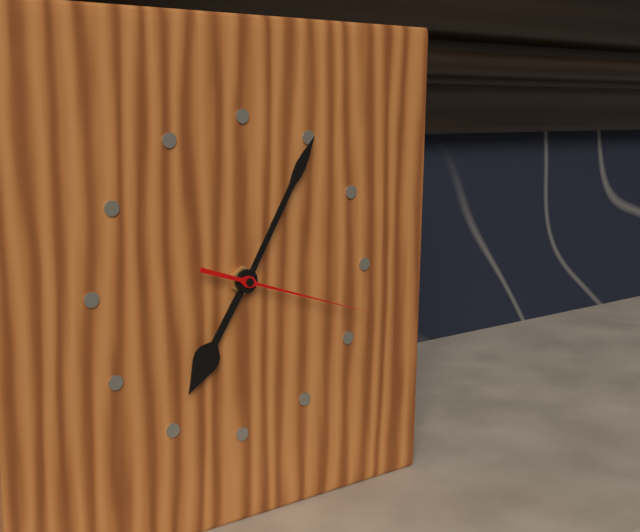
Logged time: 7 h 05 min 18 s
